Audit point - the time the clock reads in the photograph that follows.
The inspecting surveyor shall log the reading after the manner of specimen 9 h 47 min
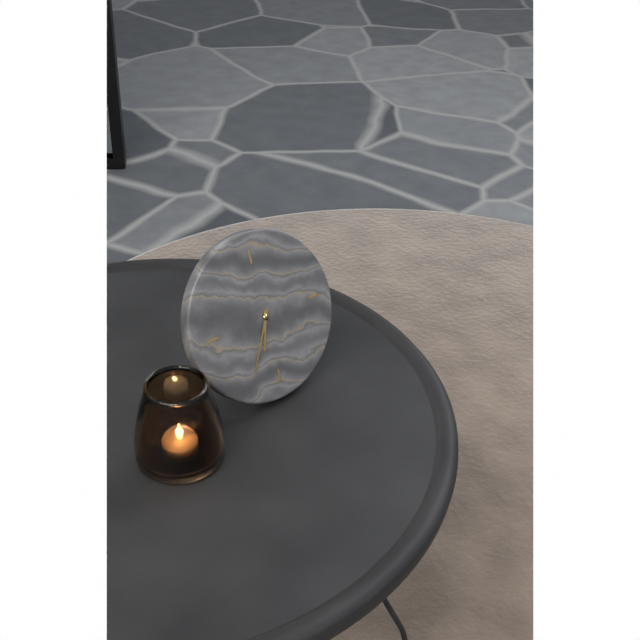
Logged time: 6 h 35 min
